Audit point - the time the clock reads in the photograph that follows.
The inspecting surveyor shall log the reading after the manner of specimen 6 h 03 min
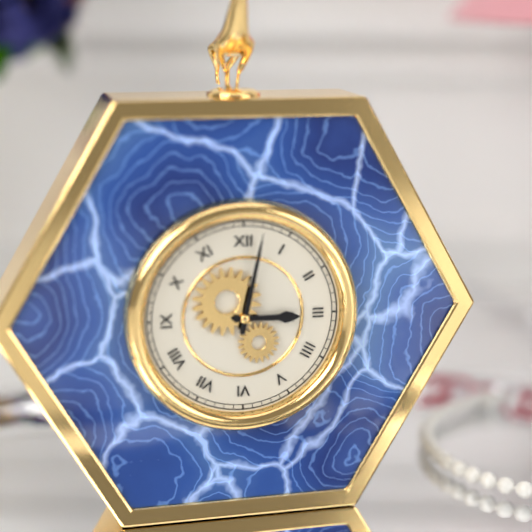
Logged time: 3 h 02 min
